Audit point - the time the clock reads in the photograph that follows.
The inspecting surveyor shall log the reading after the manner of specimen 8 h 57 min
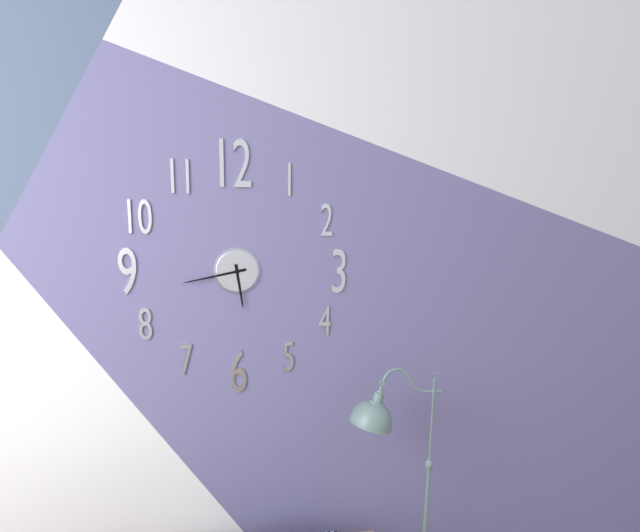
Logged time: 5 h 43 min
